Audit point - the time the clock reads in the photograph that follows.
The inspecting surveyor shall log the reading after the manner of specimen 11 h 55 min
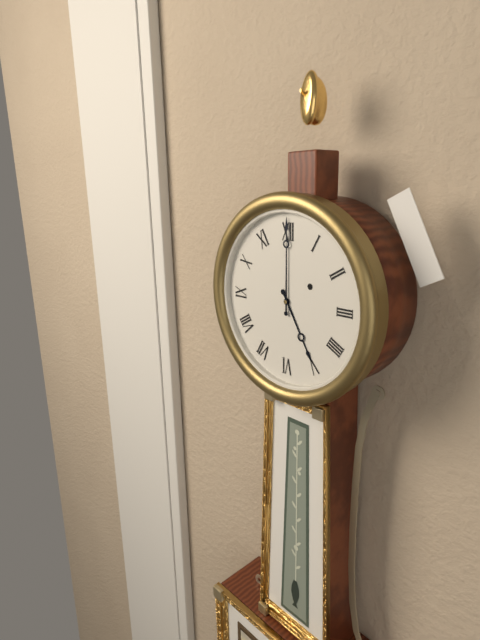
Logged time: 5 h 00 min
